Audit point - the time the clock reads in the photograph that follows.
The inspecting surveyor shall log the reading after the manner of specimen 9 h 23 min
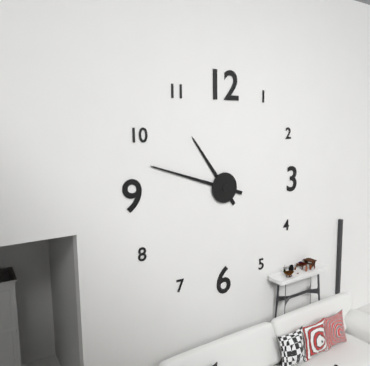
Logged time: 10 h 48 min
